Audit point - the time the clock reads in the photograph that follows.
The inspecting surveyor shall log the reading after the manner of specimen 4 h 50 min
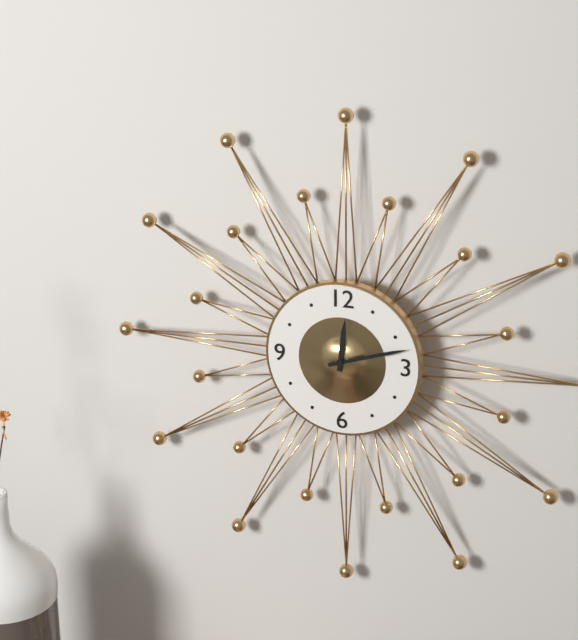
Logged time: 12 h 12 min
